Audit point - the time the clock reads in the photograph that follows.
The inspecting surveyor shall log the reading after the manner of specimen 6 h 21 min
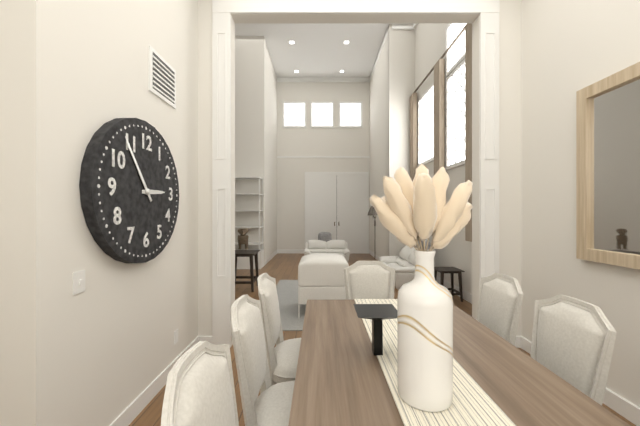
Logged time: 2 h 54 min
